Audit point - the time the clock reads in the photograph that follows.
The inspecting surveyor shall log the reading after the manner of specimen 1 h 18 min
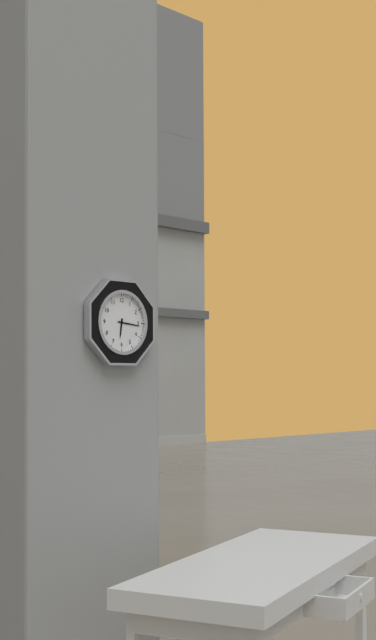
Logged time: 6 h 16 min
